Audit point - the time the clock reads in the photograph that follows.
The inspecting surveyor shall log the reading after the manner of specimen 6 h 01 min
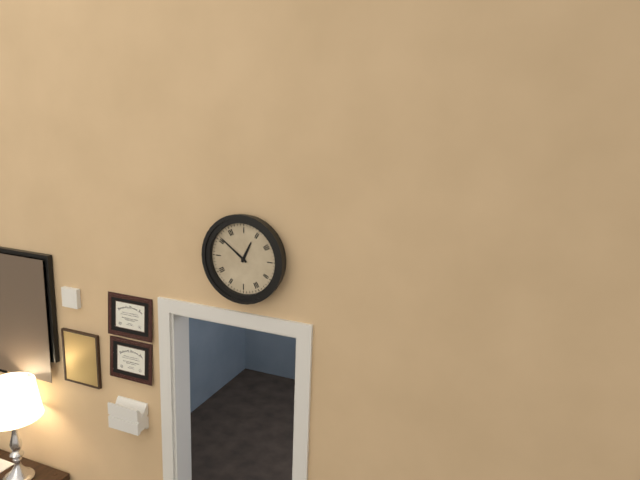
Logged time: 12 h 51 min
